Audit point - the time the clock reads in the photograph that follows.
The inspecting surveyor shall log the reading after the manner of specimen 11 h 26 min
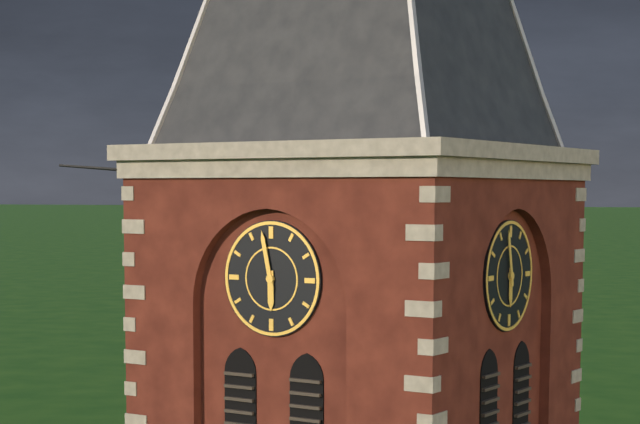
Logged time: 5 h 58 min
